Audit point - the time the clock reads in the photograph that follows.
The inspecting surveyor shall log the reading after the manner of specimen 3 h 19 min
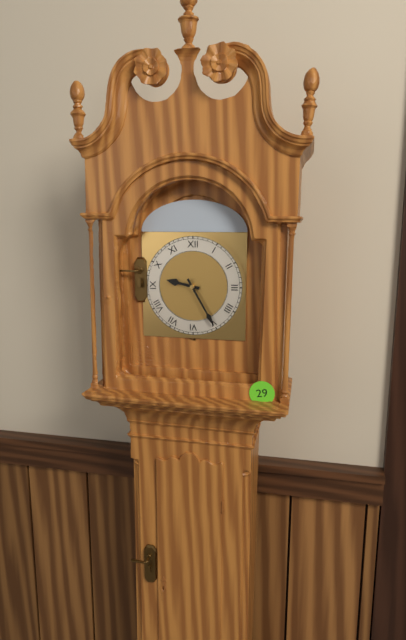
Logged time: 9 h 25 min
